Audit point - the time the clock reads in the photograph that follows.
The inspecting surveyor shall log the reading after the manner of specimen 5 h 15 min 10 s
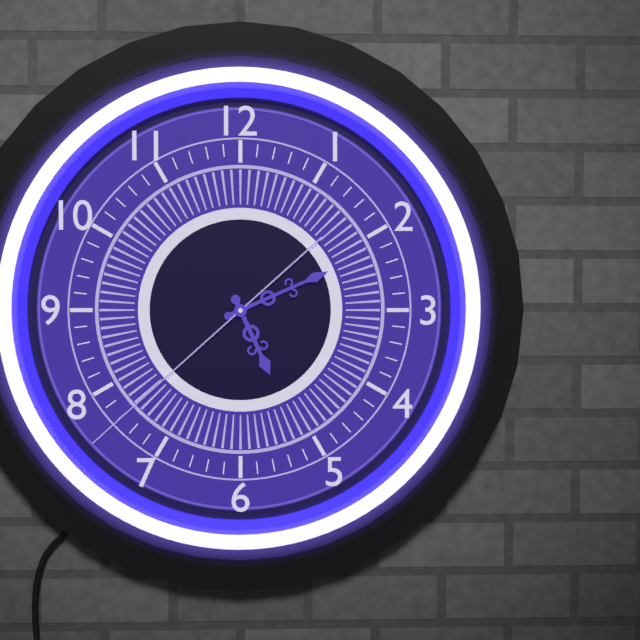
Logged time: 5 h 11 min 38 s
